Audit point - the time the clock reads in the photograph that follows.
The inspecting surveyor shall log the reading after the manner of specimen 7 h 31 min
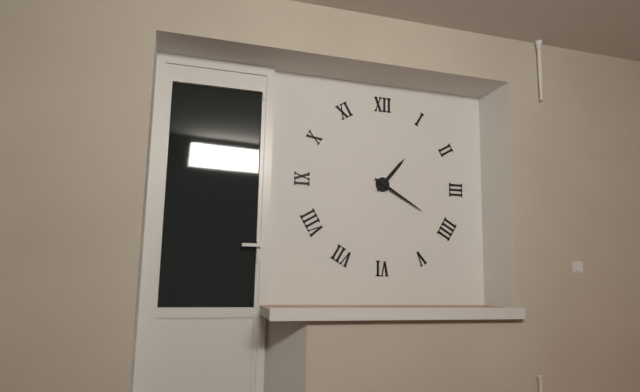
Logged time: 1 h 20 min
